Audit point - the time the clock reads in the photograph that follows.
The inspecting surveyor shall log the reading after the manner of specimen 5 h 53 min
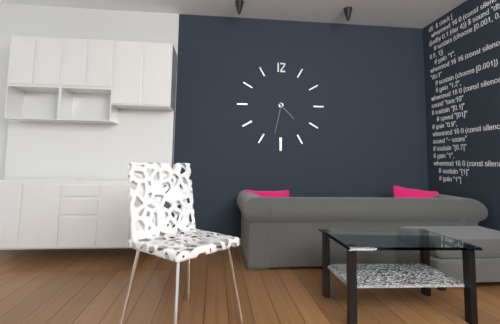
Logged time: 4 h 32 min
